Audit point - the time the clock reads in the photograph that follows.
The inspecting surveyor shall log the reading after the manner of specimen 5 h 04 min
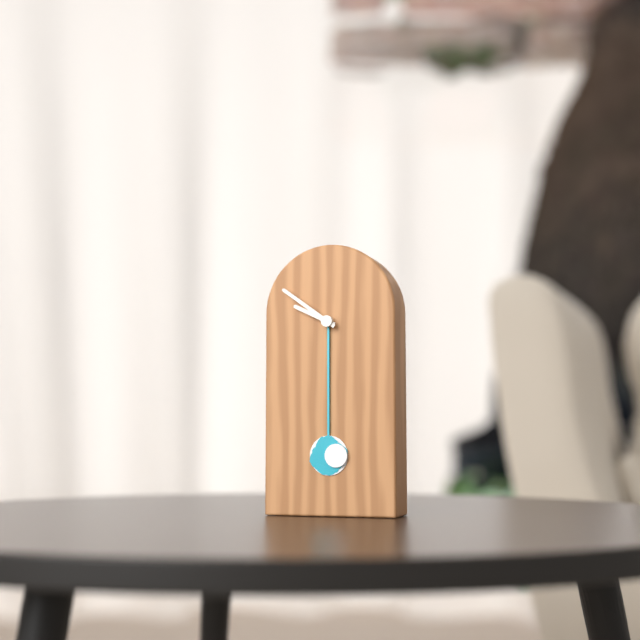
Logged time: 9 h 51 min
